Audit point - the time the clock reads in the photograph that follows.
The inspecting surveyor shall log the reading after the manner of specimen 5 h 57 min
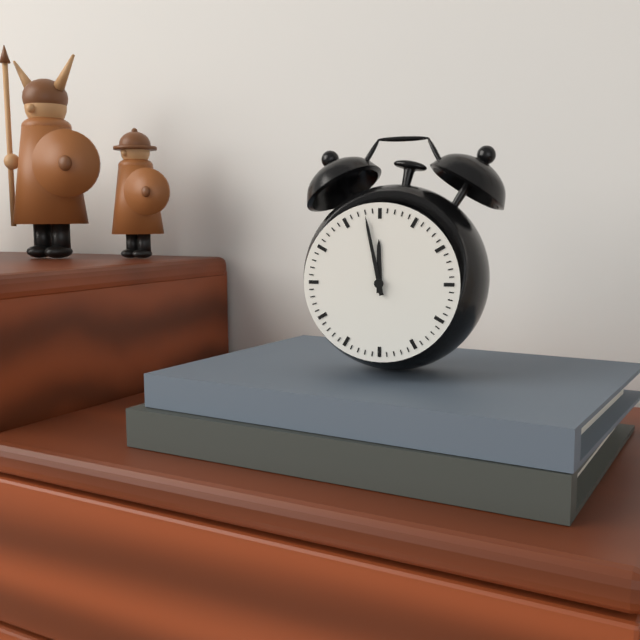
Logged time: 11 h 58 min
